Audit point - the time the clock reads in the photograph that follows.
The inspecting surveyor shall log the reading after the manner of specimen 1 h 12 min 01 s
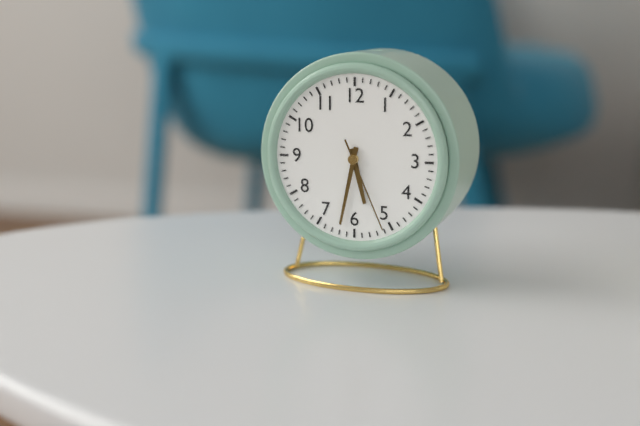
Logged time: 5 h 32 min 26 s
